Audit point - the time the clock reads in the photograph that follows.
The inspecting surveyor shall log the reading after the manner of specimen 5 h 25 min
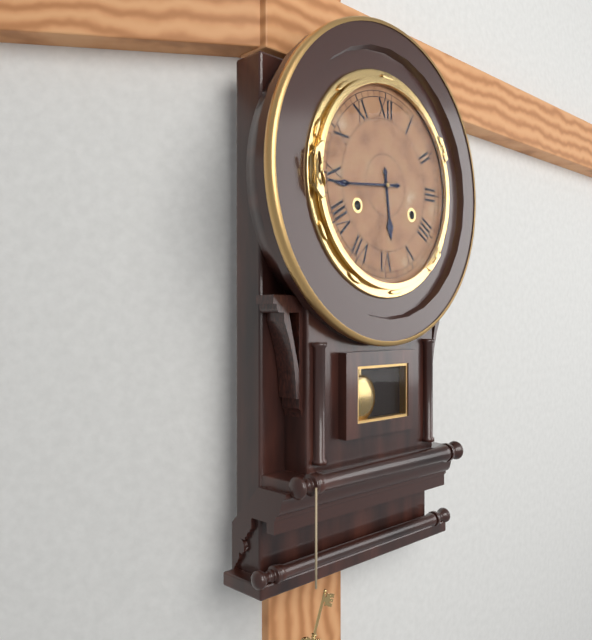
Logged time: 5 h 44 min
